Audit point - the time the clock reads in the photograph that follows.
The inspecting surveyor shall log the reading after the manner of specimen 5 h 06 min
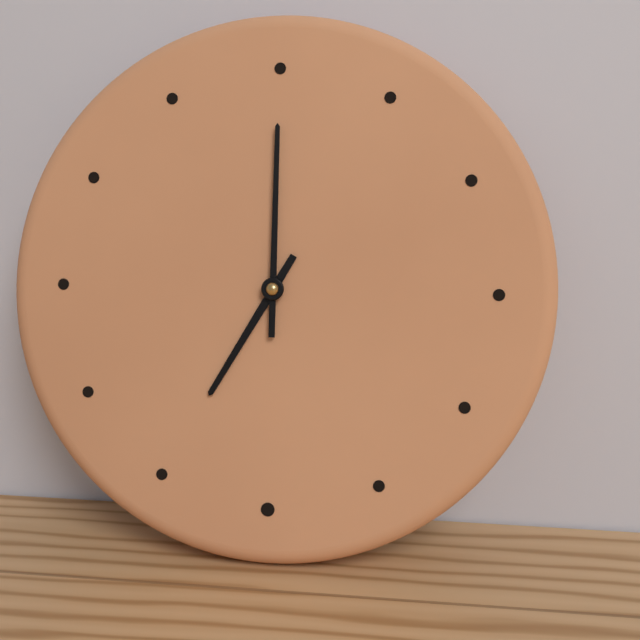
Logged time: 7 h 00 min
